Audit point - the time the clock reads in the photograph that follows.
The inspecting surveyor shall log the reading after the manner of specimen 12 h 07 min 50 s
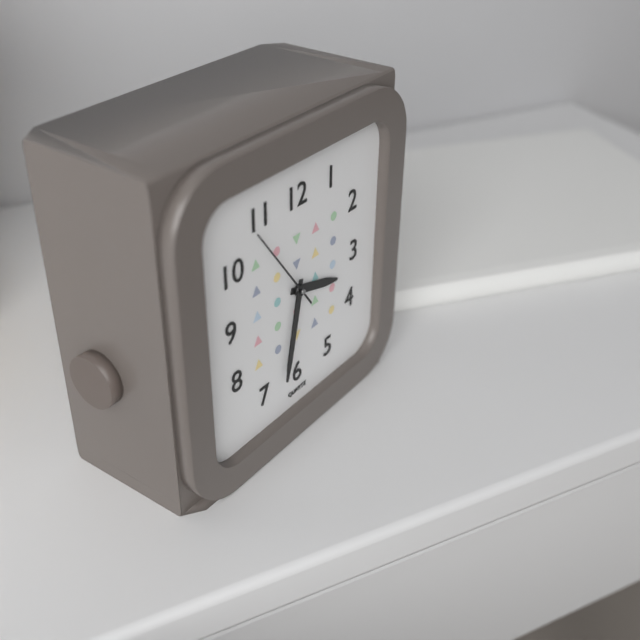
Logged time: 3 h 32 min 54 s
